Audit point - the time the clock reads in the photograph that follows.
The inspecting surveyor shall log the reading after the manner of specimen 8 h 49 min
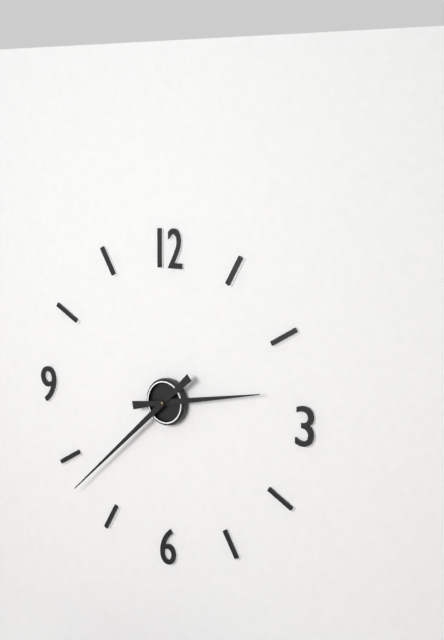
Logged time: 2 h 38 min
